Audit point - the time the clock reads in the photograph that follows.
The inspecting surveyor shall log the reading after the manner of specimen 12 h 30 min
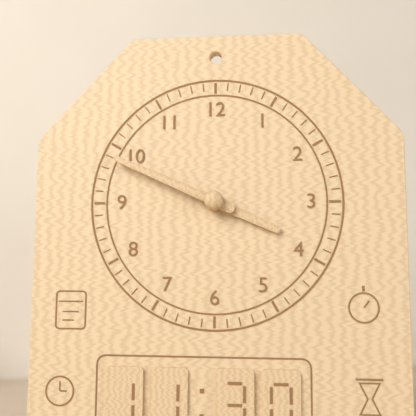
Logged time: 3 h 49 min
